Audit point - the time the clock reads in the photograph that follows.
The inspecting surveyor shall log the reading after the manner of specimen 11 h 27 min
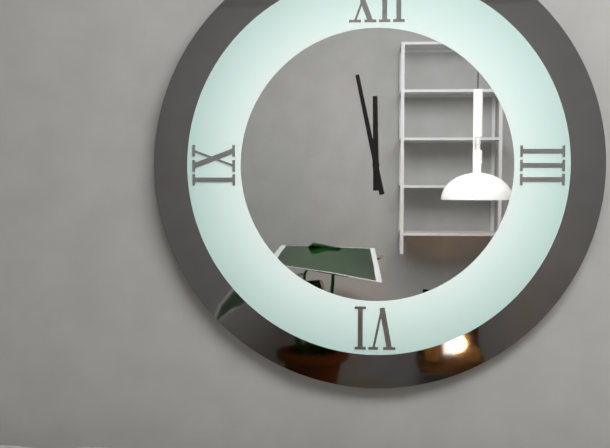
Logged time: 11 h 58 min
